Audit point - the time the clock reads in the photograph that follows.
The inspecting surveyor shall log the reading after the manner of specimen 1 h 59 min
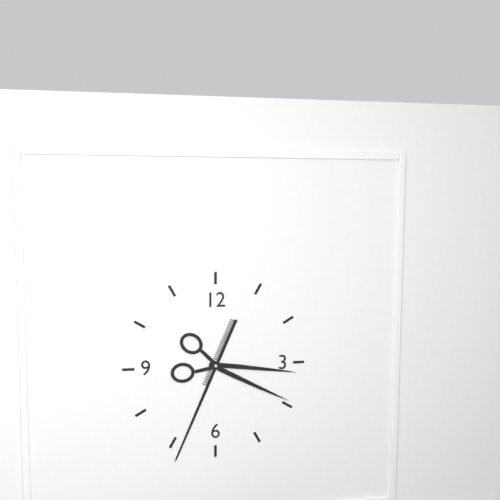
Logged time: 3 h 34 min
